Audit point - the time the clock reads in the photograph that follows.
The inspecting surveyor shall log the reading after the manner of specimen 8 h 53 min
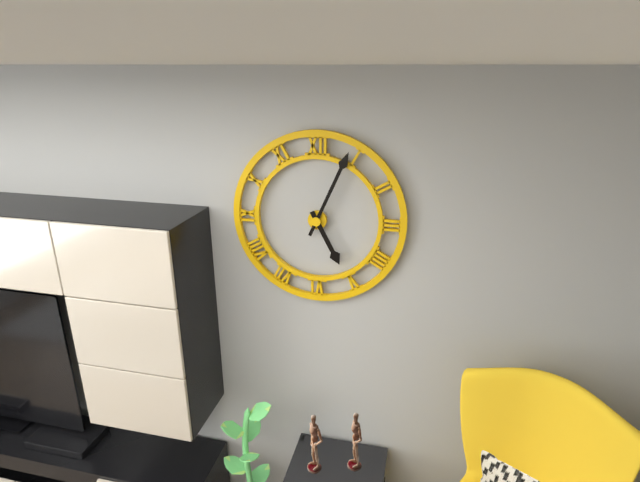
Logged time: 5 h 04 min
